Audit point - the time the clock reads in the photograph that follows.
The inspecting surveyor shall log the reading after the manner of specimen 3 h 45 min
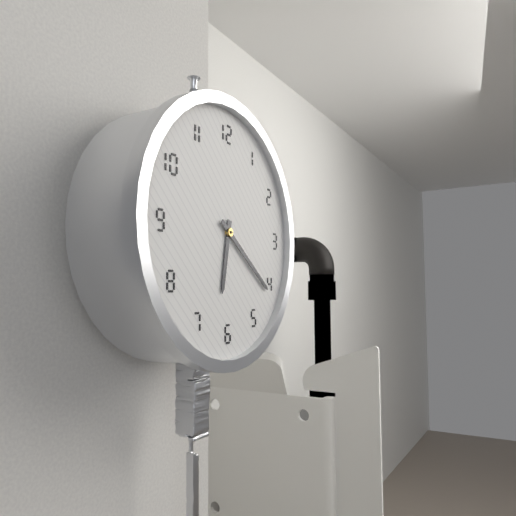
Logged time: 6 h 21 min
